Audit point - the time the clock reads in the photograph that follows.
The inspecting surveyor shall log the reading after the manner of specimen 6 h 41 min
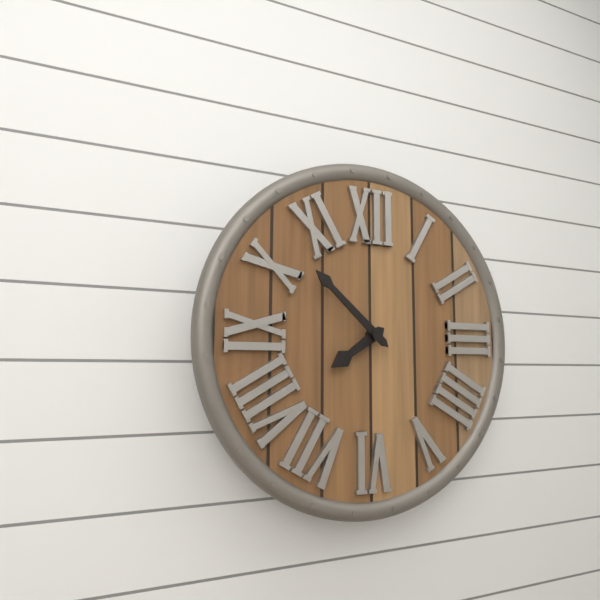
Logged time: 7 h 52 min
